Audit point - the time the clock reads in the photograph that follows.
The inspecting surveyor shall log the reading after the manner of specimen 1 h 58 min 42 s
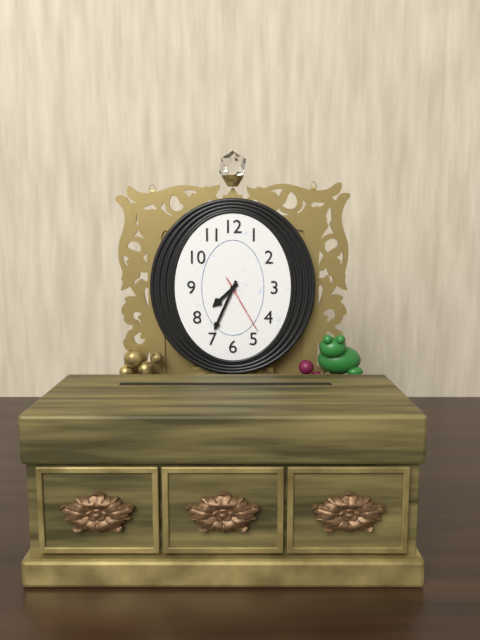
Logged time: 7 h 34 min 25 s
